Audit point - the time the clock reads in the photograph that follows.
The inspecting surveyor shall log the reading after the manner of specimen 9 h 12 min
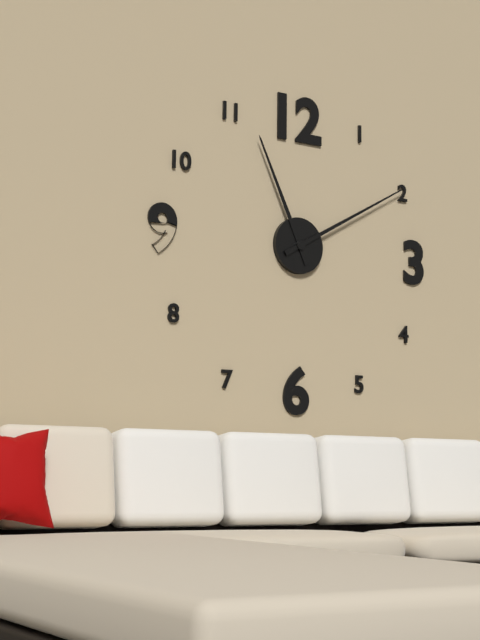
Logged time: 11 h 10 min
